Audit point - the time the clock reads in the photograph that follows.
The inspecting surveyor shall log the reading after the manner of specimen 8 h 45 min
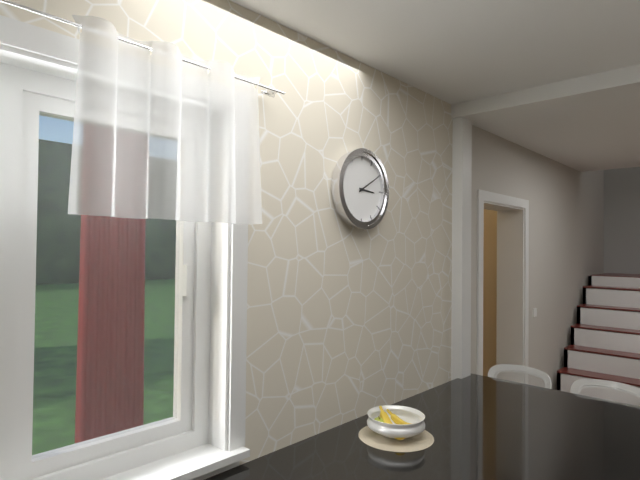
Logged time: 3 h 10 min
